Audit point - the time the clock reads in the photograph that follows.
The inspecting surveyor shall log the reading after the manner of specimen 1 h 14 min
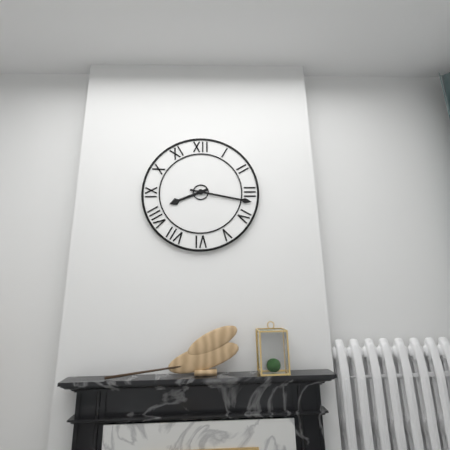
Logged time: 8 h 17 min
